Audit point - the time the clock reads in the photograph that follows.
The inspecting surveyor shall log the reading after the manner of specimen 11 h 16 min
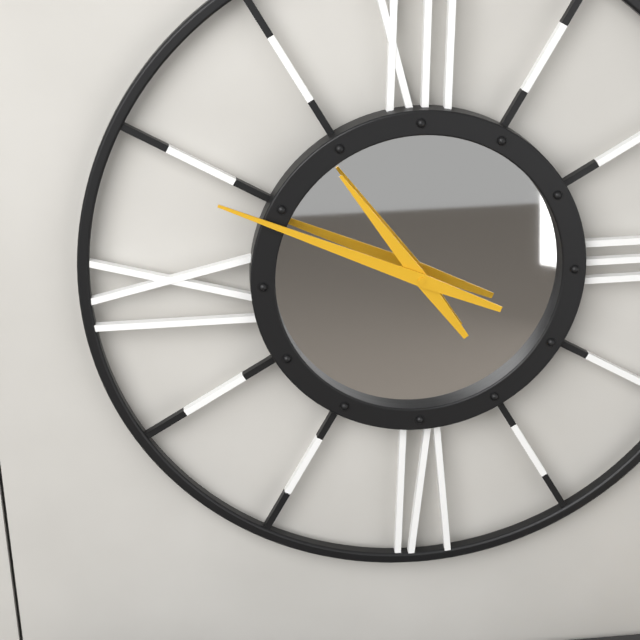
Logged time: 10 h 49 min
